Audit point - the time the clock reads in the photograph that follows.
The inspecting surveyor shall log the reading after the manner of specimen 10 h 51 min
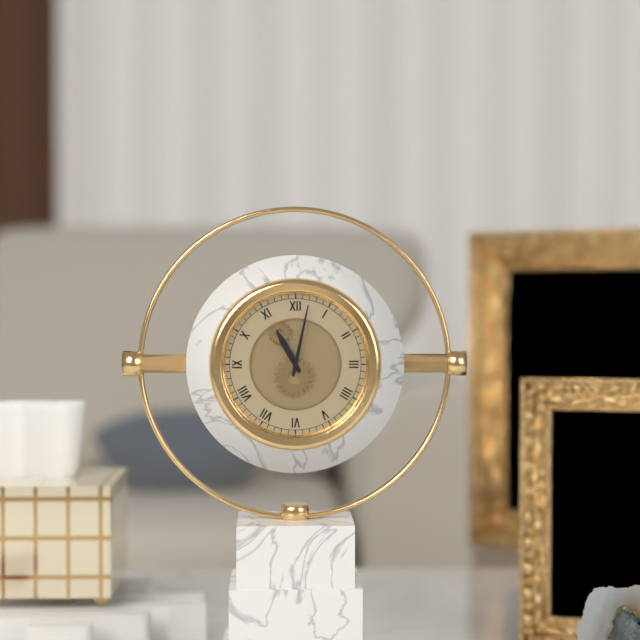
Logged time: 11 h 02 min
